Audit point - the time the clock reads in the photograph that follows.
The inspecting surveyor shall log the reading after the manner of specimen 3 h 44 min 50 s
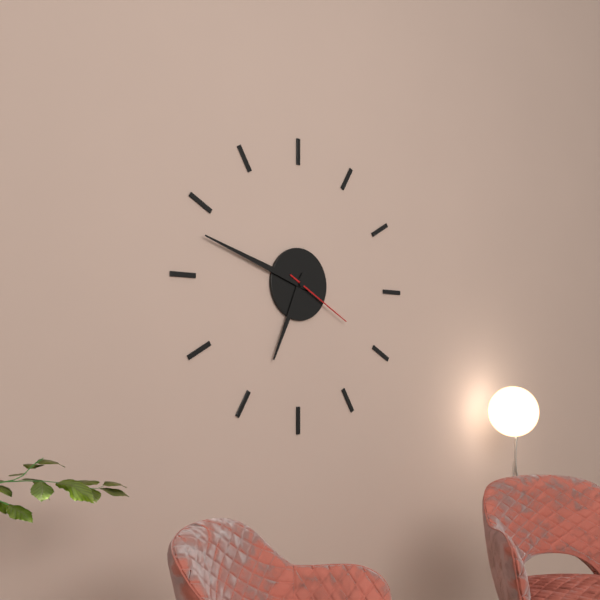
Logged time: 6 h 48 min 20 s
